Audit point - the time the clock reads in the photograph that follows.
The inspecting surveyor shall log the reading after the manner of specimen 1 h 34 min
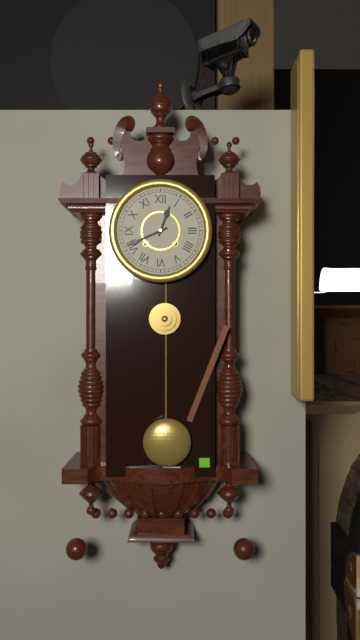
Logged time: 12 h 41 min
